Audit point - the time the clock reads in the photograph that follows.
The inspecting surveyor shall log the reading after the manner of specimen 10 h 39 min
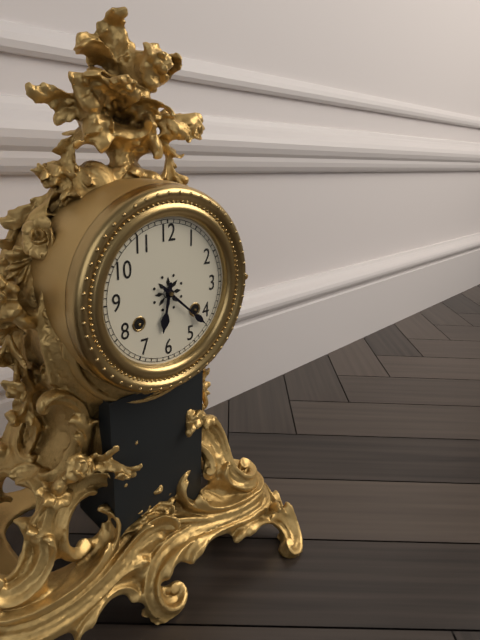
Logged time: 6 h 22 min
